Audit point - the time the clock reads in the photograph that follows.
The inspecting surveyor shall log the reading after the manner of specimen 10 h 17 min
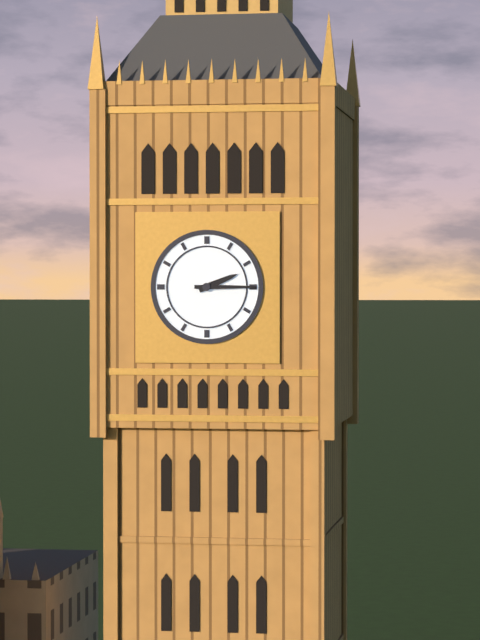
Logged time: 2 h 15 min
